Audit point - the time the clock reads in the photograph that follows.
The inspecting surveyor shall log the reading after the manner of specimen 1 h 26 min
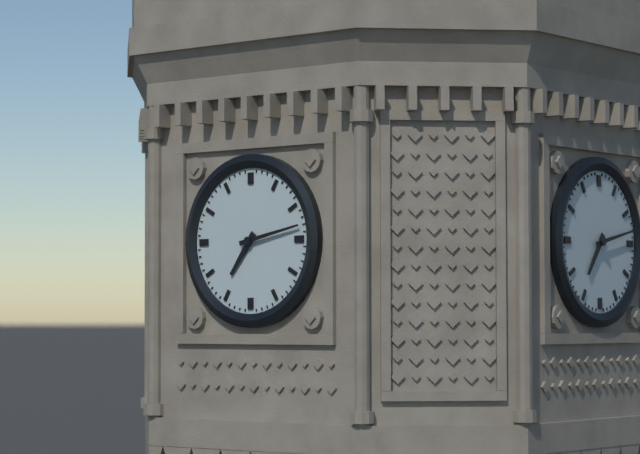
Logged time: 7 h 13 min
